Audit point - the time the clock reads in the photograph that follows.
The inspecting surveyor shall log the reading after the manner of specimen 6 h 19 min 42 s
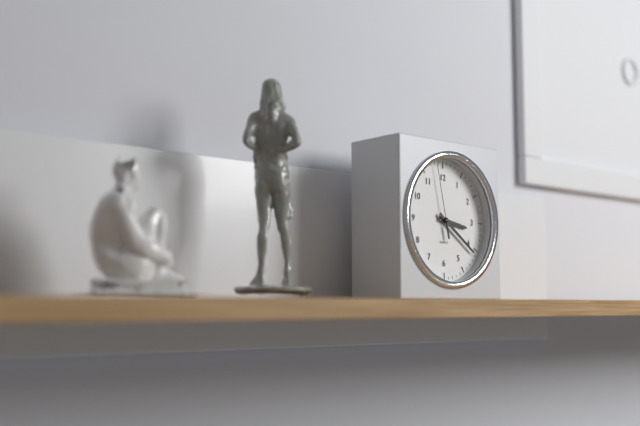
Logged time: 3 h 21 min 58 s
